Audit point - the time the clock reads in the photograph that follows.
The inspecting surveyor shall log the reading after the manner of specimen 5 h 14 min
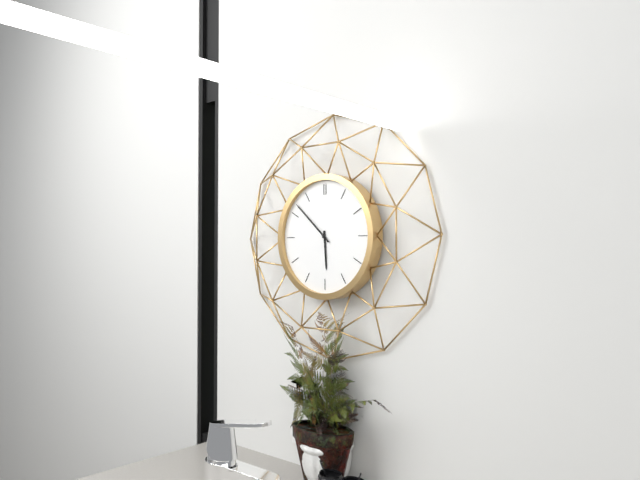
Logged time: 5 h 52 min
